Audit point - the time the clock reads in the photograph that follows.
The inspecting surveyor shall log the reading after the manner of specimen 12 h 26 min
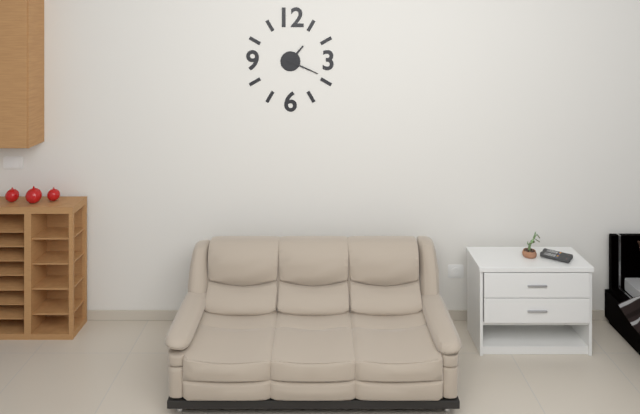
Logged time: 1 h 19 min
